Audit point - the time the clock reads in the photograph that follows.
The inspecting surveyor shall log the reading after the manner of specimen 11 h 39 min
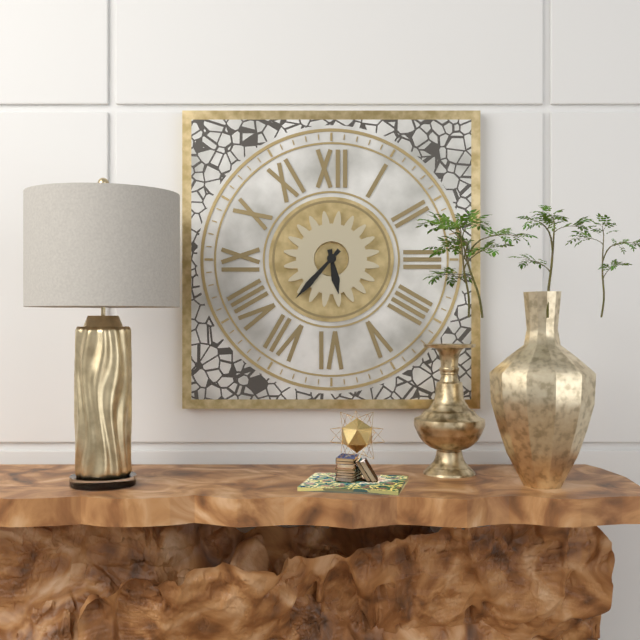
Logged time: 5 h 37 min
